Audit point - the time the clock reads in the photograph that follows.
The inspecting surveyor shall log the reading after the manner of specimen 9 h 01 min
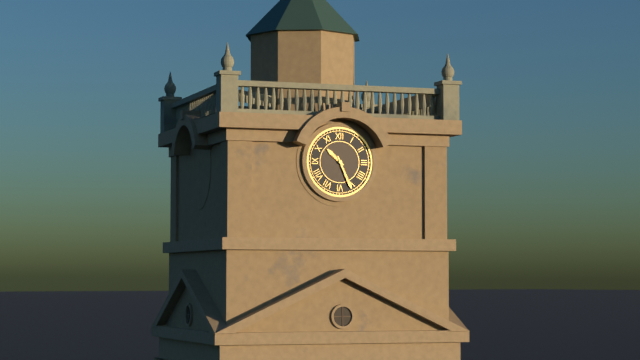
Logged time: 10 h 26 min
